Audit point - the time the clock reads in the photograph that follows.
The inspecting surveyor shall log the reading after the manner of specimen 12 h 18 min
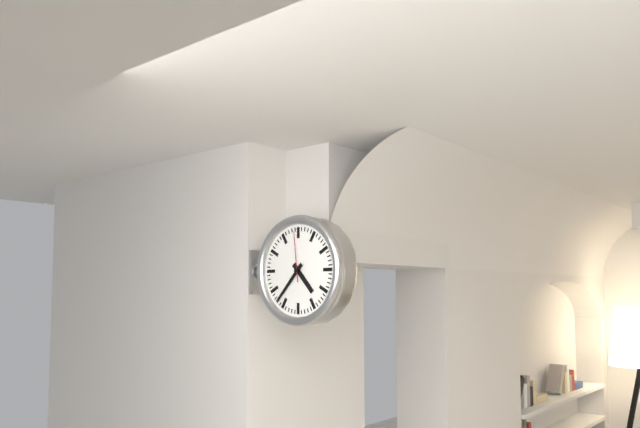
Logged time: 4 h 37 min
